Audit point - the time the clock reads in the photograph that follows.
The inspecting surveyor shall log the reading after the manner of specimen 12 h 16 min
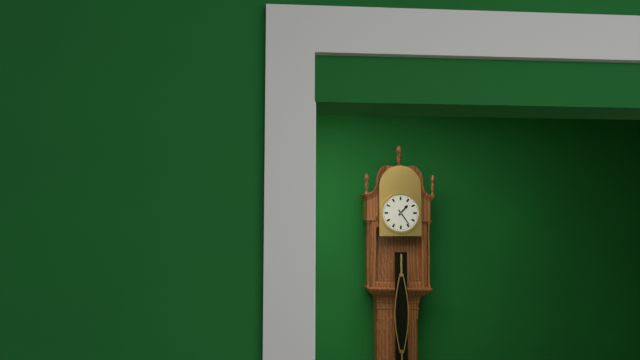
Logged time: 1 h 24 min
